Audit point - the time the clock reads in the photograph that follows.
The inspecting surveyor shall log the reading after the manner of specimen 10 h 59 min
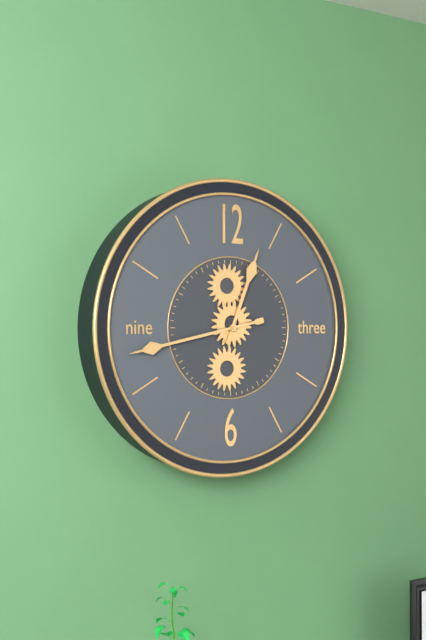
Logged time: 12 h 43 min
